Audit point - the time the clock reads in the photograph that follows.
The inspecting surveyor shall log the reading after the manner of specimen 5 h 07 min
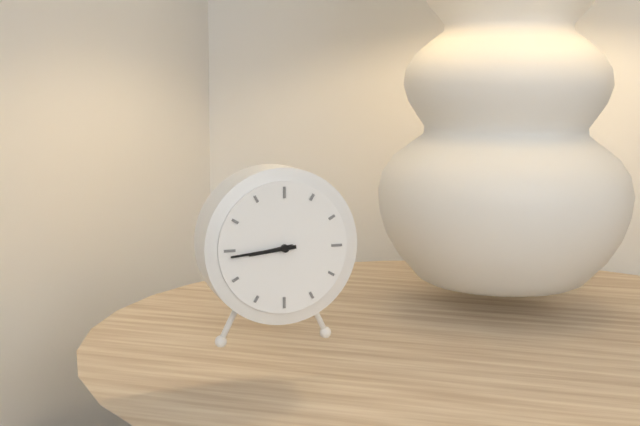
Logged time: 8 h 44 min
